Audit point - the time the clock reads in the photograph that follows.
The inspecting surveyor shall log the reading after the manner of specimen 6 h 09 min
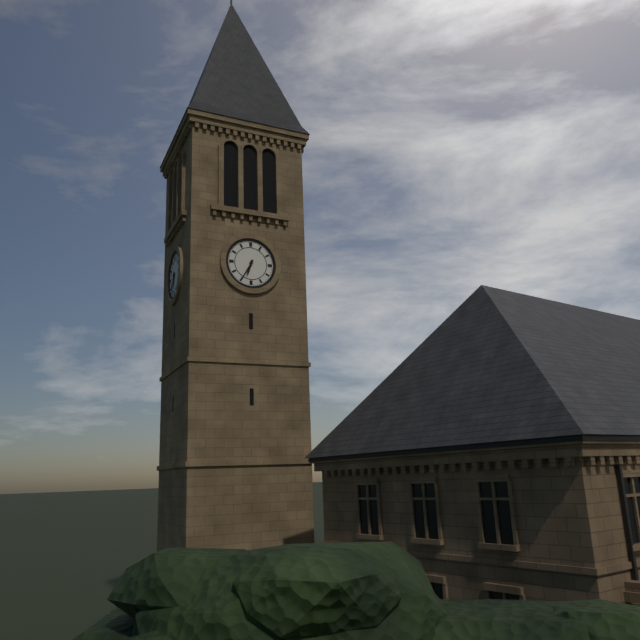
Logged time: 6 h 35 min
